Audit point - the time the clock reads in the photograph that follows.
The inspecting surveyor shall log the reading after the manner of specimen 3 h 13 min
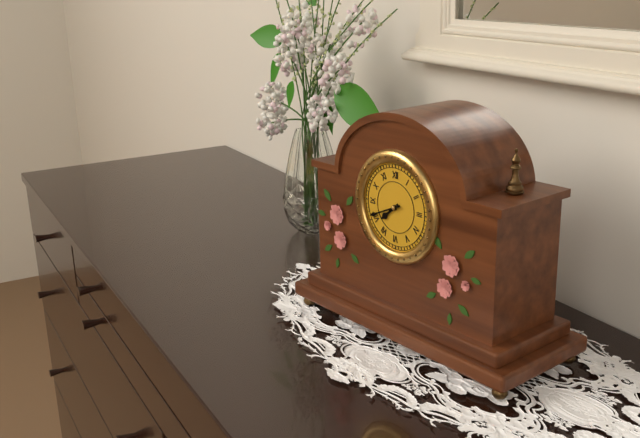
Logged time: 7 h 41 min
